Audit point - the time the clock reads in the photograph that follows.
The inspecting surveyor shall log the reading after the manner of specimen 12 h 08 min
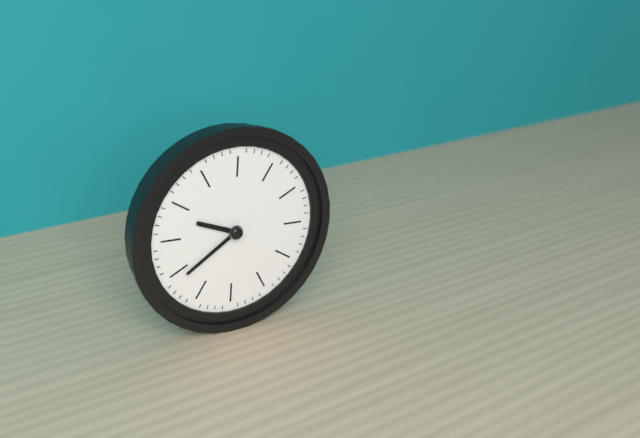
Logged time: 9 h 39 min
